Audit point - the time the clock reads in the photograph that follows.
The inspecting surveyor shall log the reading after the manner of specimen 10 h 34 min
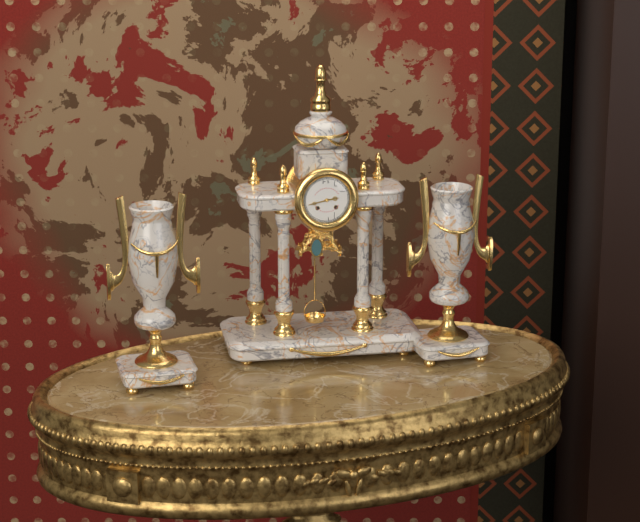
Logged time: 2 h 43 min
